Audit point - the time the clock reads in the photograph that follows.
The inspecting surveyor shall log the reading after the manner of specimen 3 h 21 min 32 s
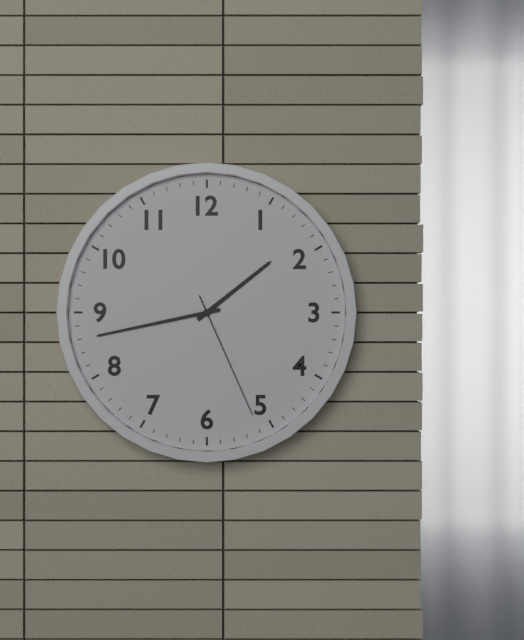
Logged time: 1 h 43 min 26 s
